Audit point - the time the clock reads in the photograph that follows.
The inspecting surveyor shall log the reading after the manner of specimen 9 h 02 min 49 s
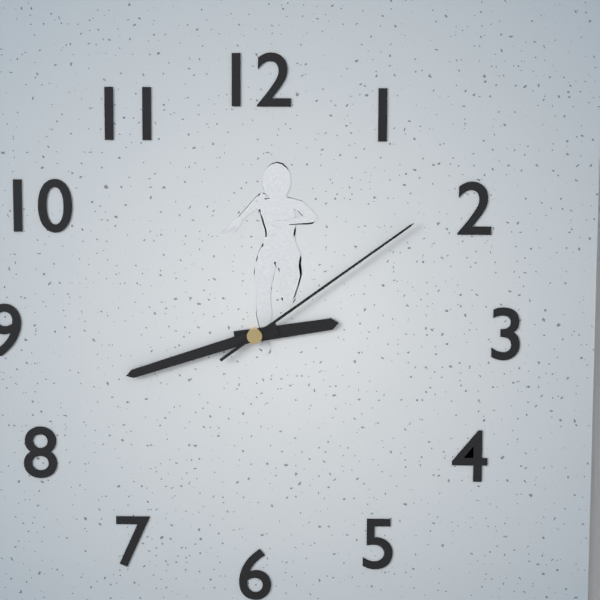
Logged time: 2 h 42 min 09 s
